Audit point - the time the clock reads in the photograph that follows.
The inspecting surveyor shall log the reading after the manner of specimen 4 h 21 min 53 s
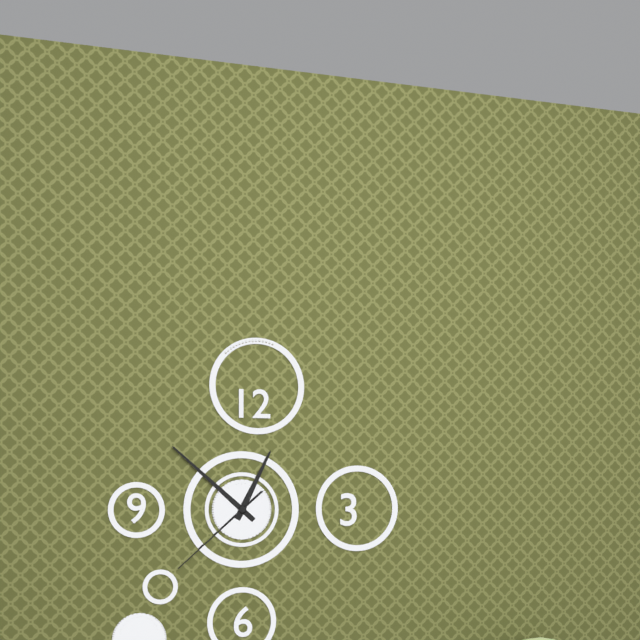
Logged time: 12 h 52 min 38 s
